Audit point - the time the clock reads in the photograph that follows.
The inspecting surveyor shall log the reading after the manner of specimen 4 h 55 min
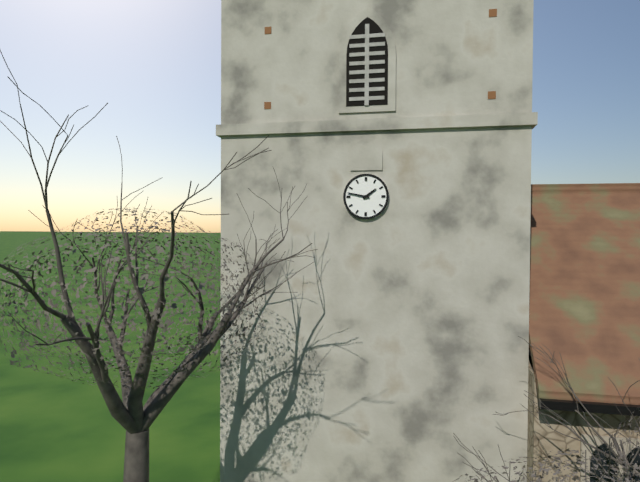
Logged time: 1 h 47 min
